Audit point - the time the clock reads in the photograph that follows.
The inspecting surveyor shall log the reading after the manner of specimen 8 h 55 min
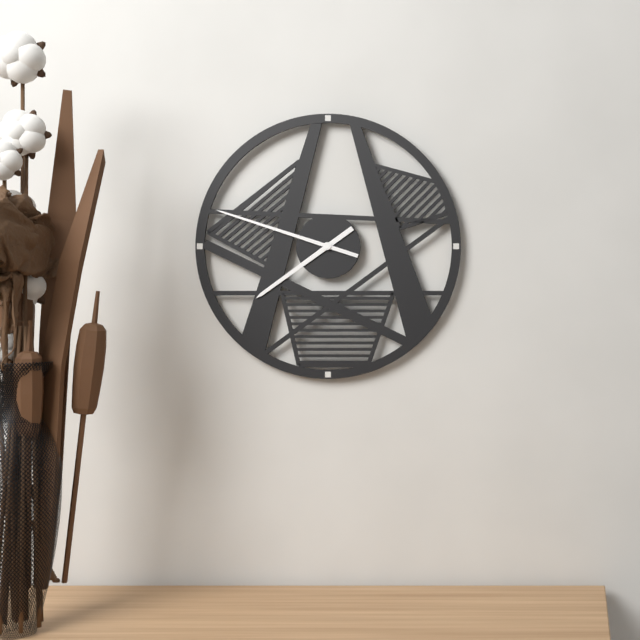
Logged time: 7 h 48 min
